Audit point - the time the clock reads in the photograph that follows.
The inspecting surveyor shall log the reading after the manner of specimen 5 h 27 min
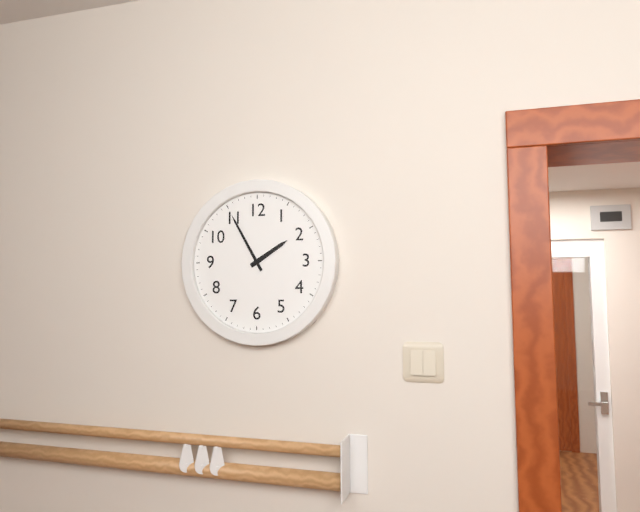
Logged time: 1 h 55 min
